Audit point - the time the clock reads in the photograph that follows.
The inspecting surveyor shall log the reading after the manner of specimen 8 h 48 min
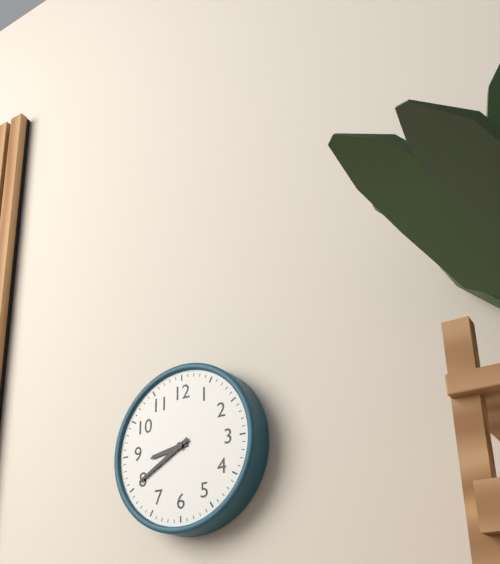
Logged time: 8 h 40 min
